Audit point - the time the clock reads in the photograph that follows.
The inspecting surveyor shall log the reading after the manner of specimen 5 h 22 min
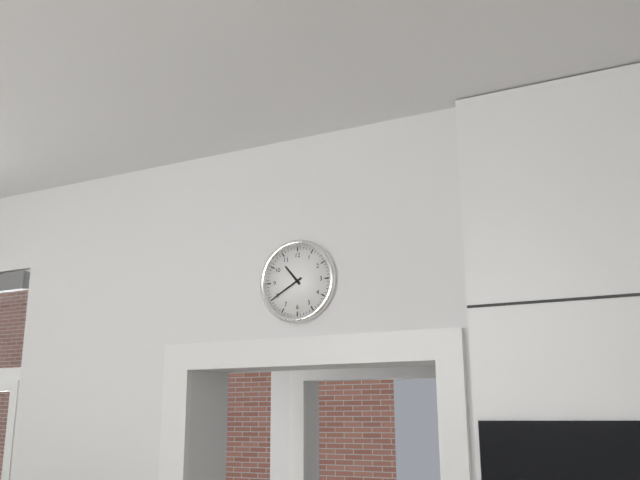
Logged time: 10 h 40 min
